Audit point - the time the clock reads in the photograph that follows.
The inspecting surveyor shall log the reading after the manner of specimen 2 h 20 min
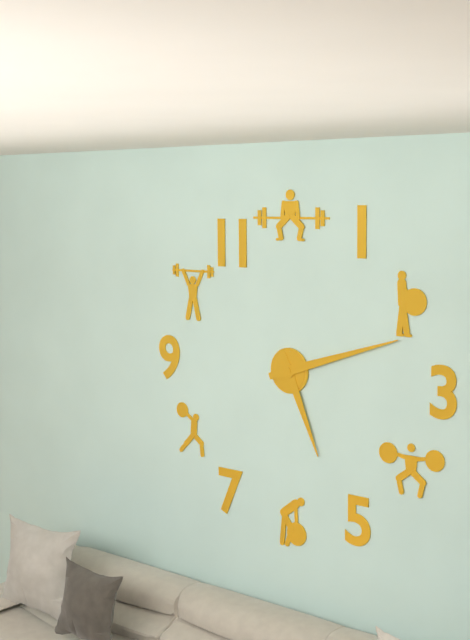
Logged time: 5 h 12 min
